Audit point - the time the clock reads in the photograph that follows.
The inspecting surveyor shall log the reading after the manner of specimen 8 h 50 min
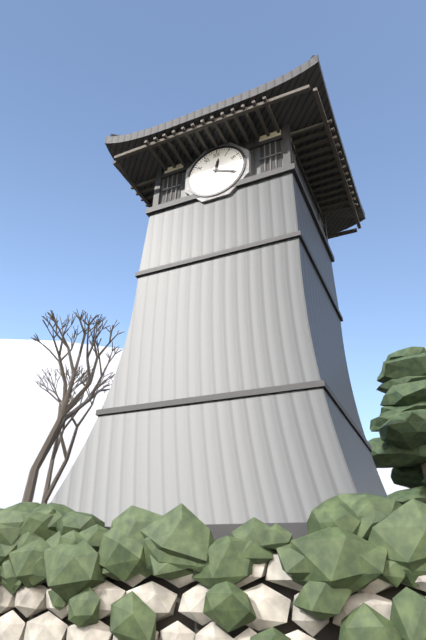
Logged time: 12 h 19 min
